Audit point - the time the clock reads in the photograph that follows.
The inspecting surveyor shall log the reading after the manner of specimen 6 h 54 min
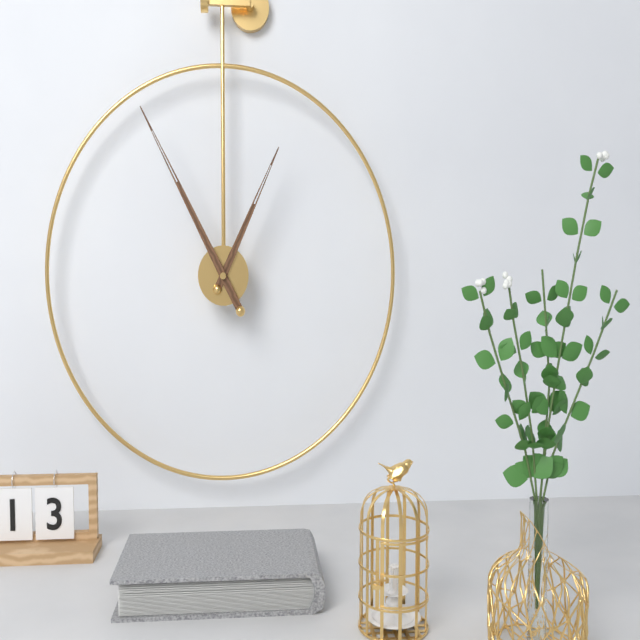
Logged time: 12 h 55 min
